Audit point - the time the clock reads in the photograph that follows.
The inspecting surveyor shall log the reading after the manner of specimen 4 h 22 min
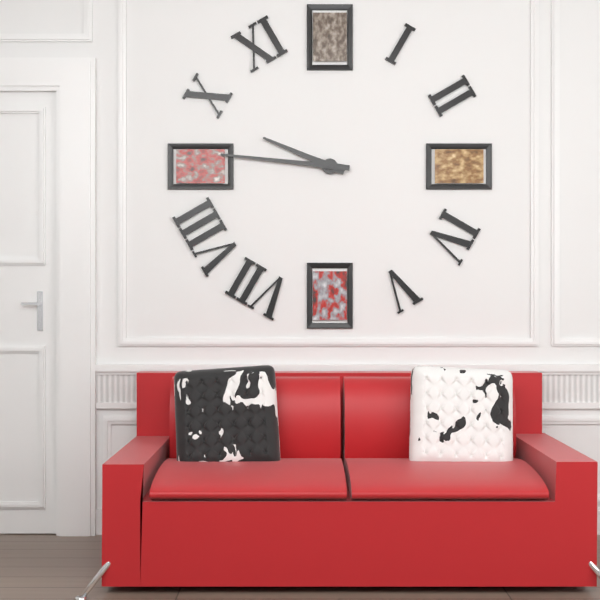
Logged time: 9 h 46 min
